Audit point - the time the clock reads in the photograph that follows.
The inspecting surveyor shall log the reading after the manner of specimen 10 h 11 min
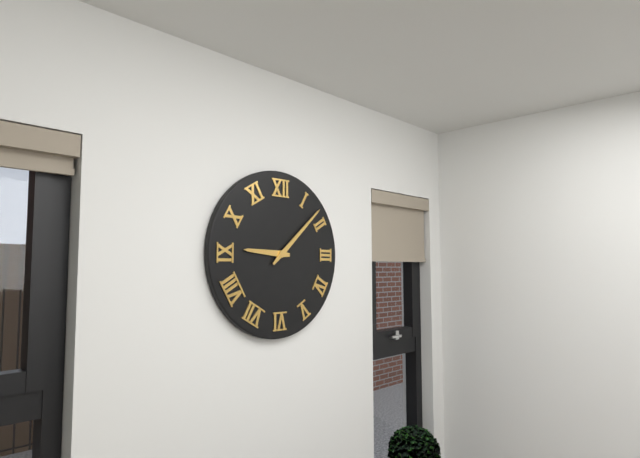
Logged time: 9 h 08 min
